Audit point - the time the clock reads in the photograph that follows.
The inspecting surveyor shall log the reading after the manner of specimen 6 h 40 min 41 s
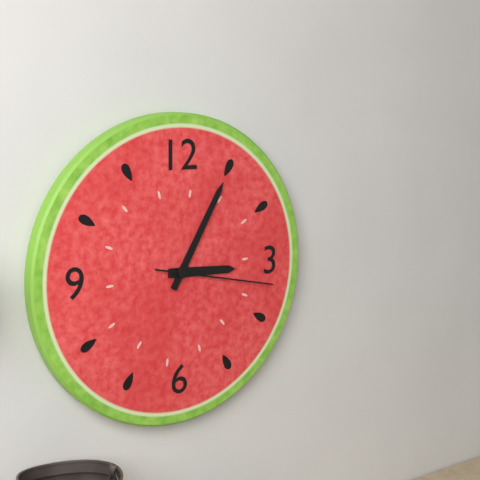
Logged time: 3 h 05 min 17 s
